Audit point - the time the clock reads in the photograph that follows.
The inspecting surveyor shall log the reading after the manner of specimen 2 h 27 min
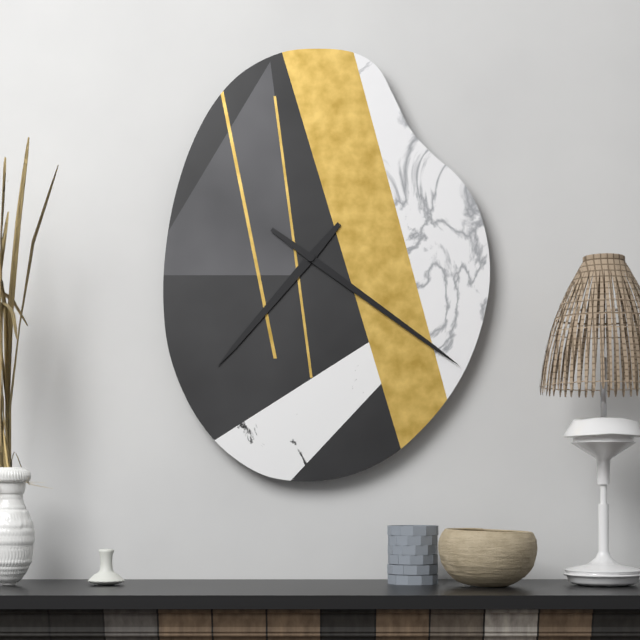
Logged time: 7 h 21 min
